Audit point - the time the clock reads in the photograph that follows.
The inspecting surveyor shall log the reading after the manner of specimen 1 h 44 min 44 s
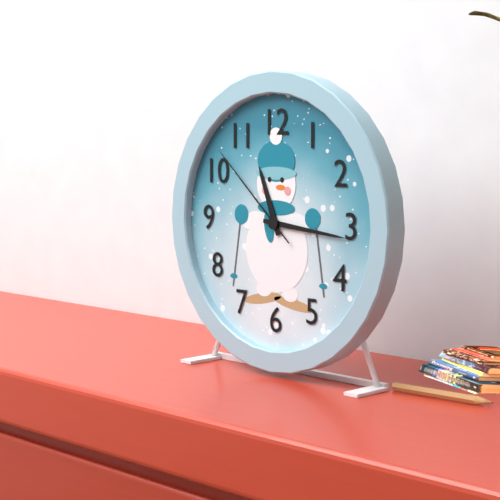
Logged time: 11 h 16 min 52 s
